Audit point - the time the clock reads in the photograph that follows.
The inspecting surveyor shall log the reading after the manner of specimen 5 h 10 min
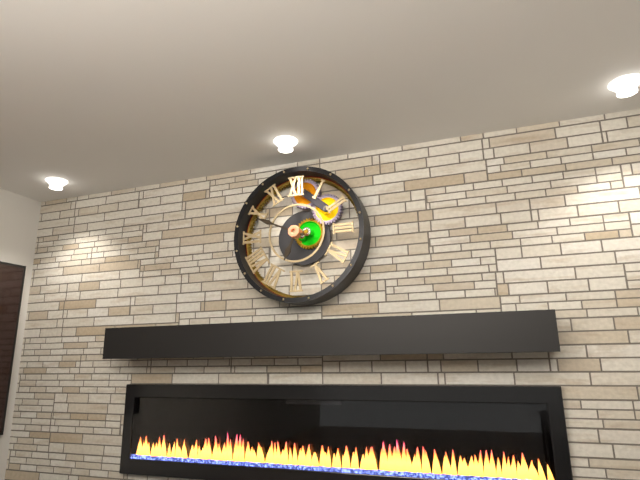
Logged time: 6 h 49 min
